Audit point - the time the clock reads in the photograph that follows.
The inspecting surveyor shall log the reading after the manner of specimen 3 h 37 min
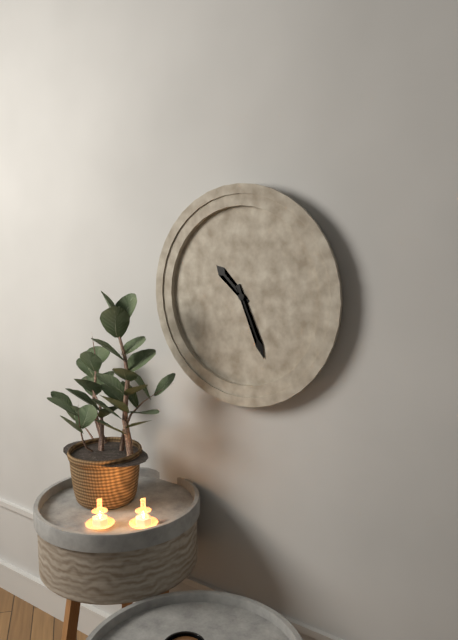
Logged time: 10 h 26 min
